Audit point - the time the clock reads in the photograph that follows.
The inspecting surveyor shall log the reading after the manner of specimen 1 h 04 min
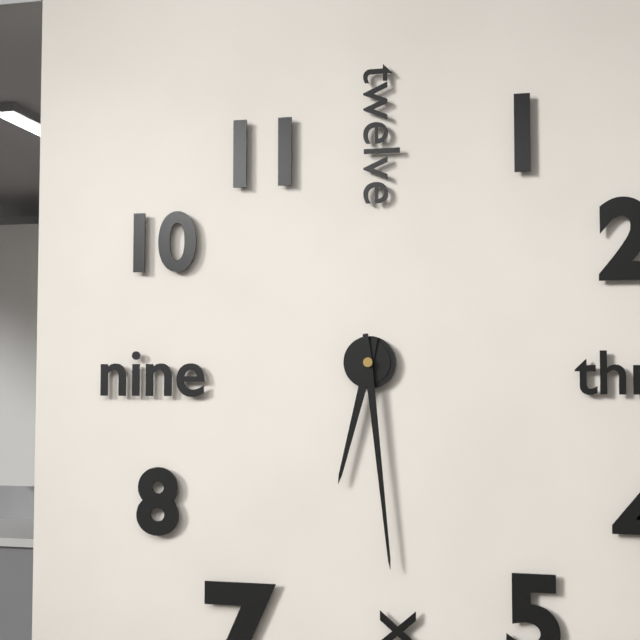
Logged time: 6 h 29 min
